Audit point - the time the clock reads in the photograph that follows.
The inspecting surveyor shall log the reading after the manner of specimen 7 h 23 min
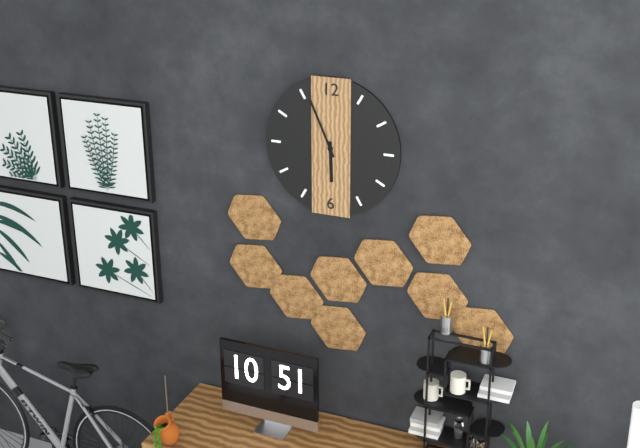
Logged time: 5 h 56 min
